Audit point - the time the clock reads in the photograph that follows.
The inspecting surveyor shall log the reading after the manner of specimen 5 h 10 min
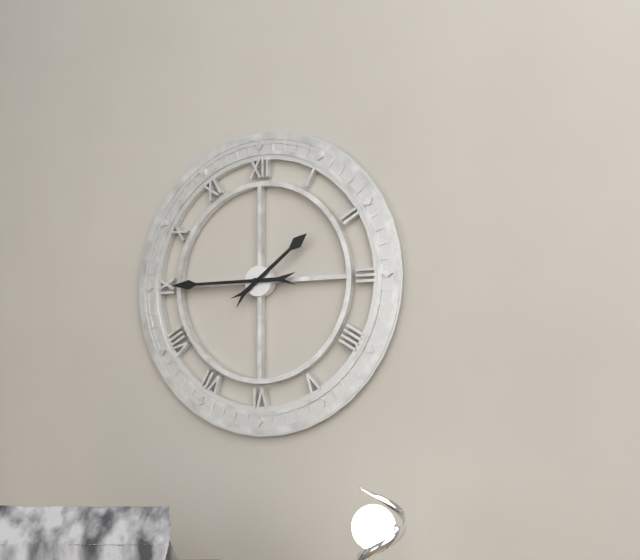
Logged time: 1 h 45 min
